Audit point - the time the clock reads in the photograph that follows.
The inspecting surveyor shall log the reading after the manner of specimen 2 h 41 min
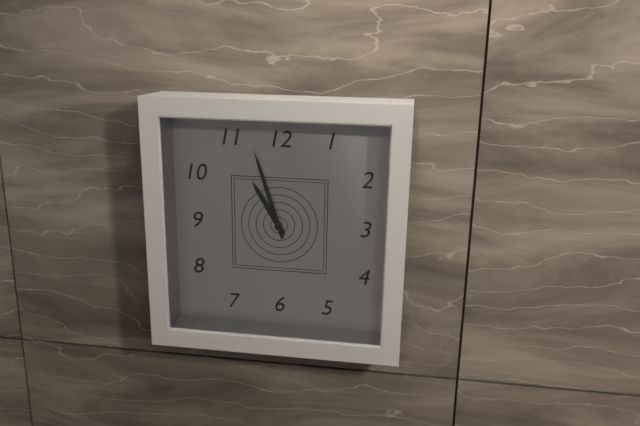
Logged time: 10 h 57 min
